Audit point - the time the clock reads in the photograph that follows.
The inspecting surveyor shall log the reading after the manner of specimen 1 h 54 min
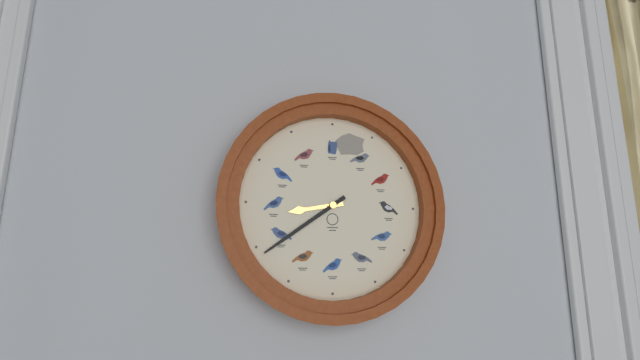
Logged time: 8 h 39 min
